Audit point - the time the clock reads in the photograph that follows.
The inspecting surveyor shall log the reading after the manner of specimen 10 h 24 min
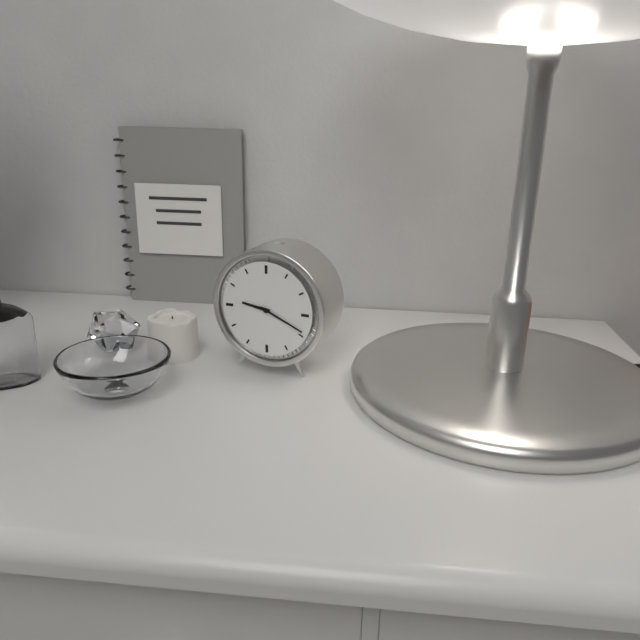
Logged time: 9 h 19 min
